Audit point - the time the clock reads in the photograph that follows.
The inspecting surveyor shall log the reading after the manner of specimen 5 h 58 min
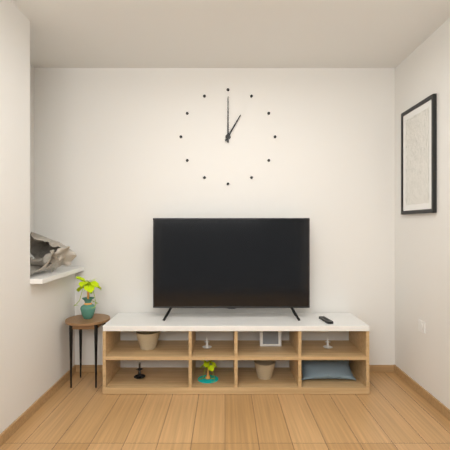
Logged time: 1 h 00 min
